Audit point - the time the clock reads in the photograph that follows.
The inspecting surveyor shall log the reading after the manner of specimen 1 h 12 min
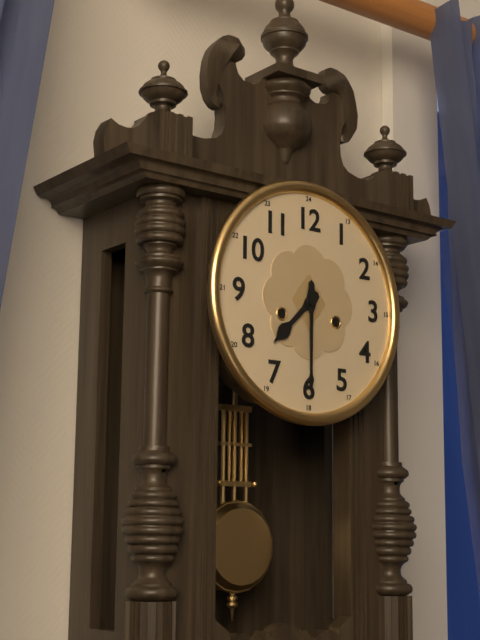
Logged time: 7 h 30 min
